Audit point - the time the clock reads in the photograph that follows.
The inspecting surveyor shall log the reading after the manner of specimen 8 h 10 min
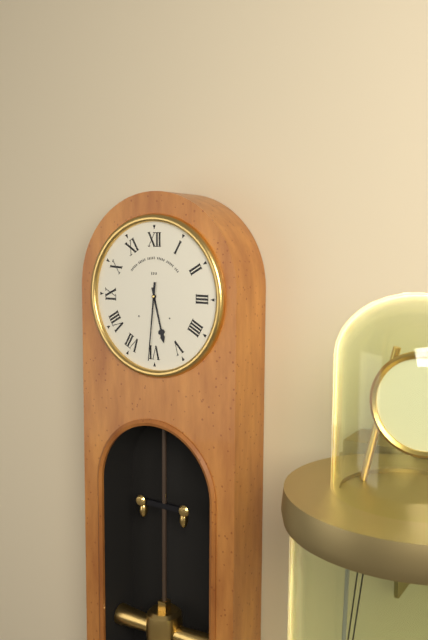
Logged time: 5 h 31 min
